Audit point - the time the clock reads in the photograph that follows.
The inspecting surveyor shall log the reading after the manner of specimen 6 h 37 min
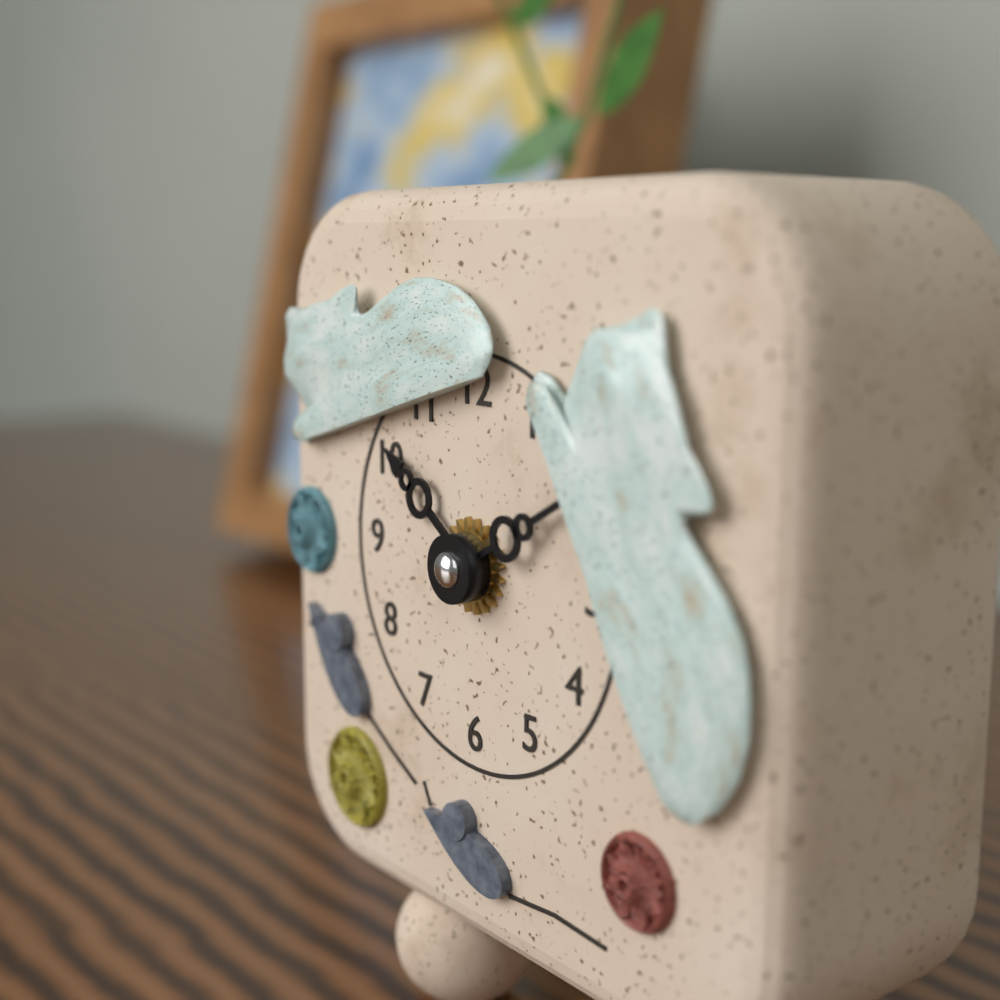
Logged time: 10 h 10 min
